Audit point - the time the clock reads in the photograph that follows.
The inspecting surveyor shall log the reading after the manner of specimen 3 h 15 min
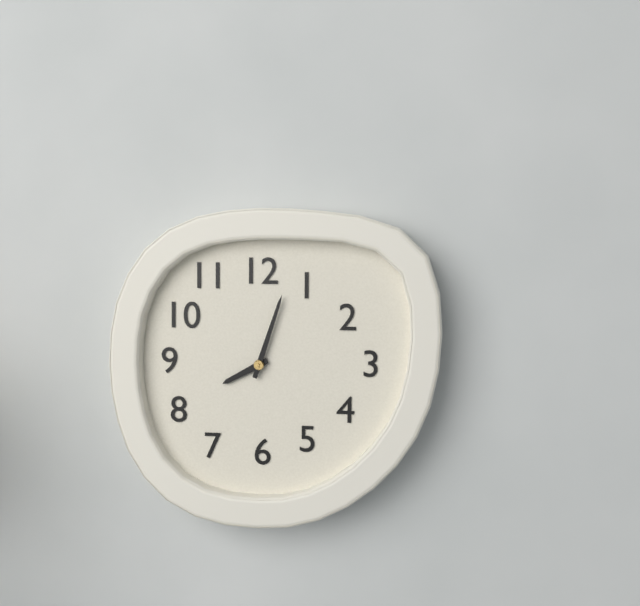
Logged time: 8 h 03 min
